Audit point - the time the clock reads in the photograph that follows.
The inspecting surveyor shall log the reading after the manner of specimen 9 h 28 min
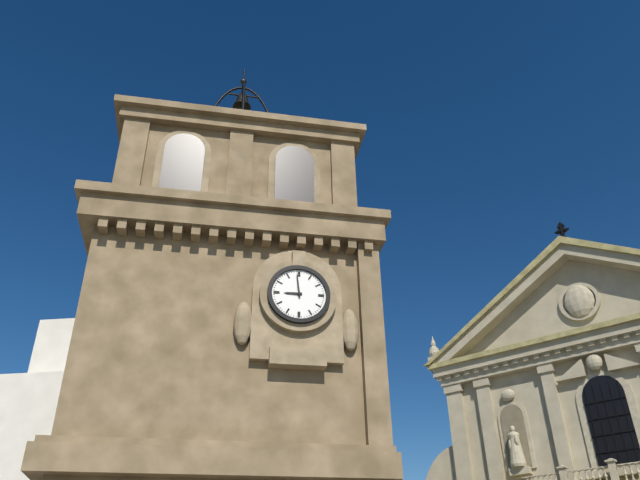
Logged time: 8 h 59 min
